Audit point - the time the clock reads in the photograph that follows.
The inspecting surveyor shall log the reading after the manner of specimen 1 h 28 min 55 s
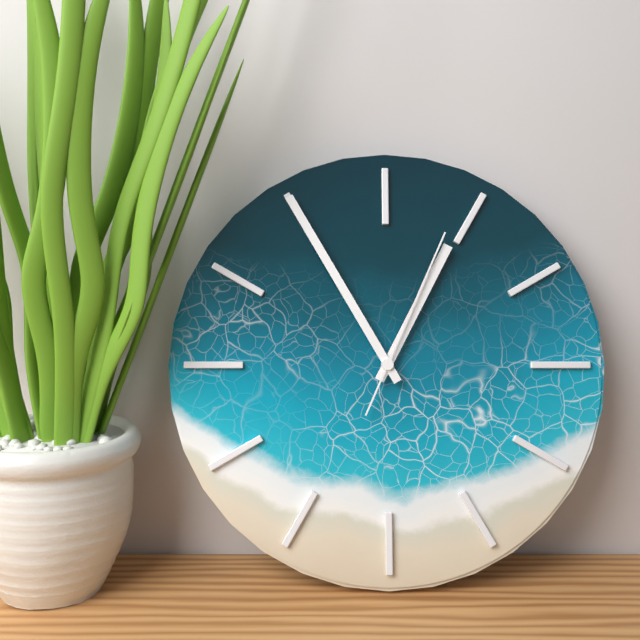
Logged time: 12 h 55 min 04 s
